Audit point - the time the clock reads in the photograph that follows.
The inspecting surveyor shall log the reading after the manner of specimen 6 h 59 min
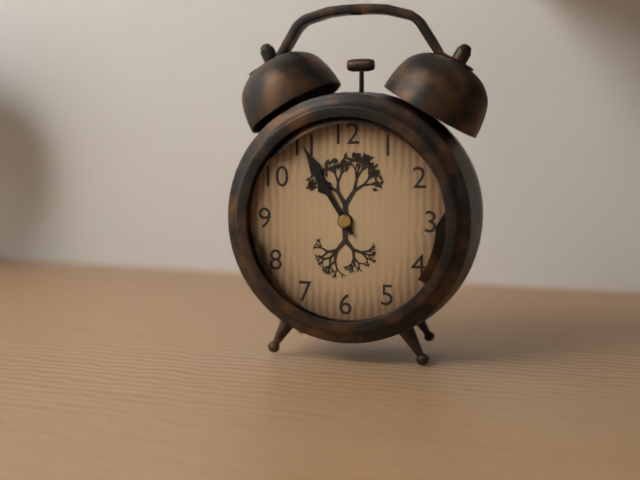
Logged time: 10 h 55 min
